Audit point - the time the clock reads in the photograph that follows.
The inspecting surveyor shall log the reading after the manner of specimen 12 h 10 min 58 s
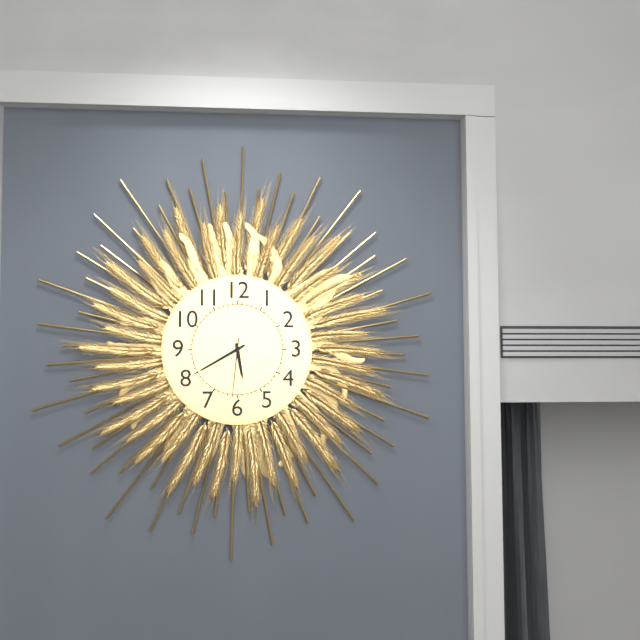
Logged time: 5 h 40 min 31 s
